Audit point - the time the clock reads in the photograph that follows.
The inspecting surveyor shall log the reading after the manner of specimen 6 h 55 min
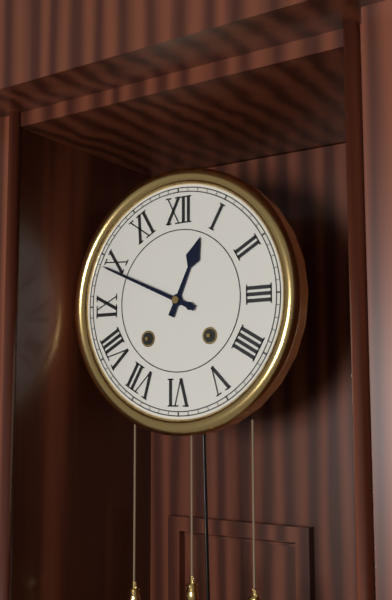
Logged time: 12 h 49 min
